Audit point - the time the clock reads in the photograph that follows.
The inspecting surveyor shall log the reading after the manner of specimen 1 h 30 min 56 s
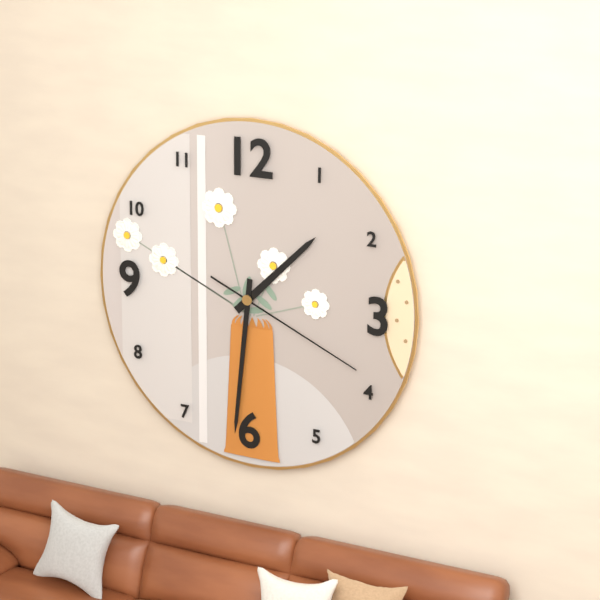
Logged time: 1 h 31 min 19 s
